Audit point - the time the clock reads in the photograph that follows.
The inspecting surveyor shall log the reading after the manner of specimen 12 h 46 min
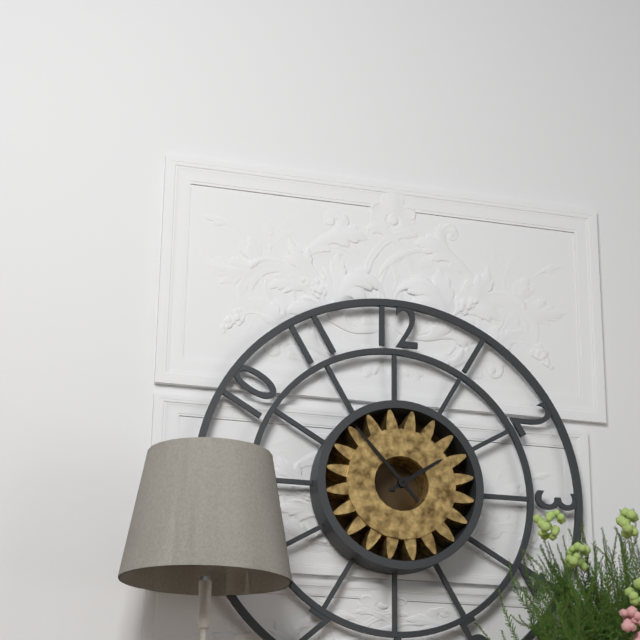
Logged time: 1 h 53 min
